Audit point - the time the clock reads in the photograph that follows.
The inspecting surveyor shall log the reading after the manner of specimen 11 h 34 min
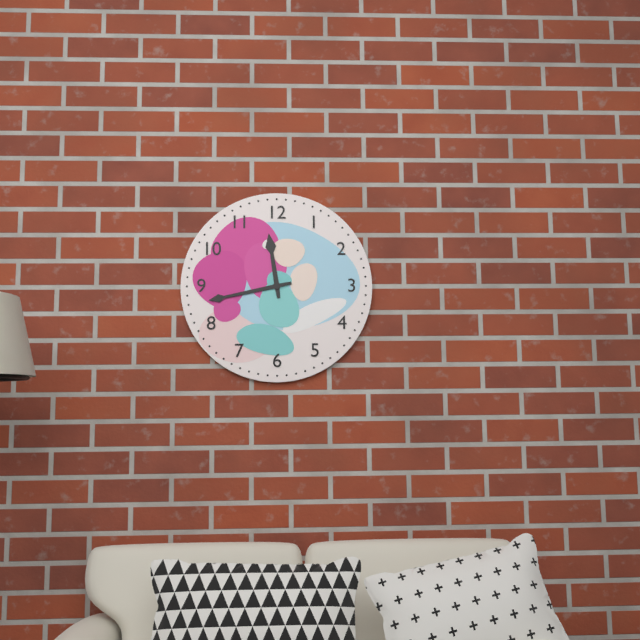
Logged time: 11 h 43 min
